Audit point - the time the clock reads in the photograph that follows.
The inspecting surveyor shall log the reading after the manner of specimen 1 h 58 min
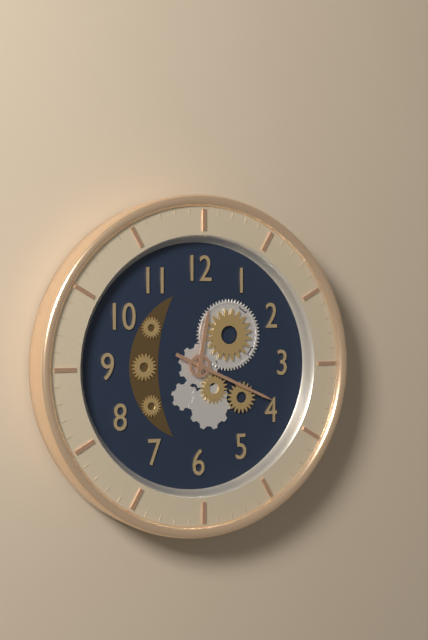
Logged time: 12 h 19 min
